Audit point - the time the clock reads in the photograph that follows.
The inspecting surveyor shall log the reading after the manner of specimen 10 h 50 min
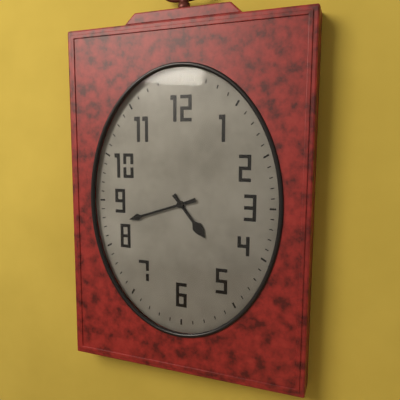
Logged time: 4 h 42 min
